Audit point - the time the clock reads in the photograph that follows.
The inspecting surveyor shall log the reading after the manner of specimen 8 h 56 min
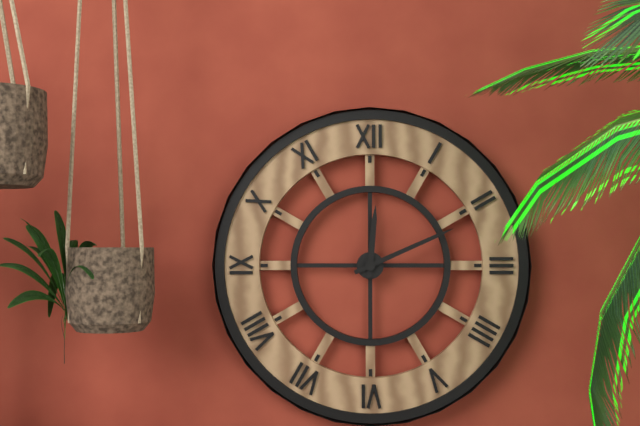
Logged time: 12 h 11 min
